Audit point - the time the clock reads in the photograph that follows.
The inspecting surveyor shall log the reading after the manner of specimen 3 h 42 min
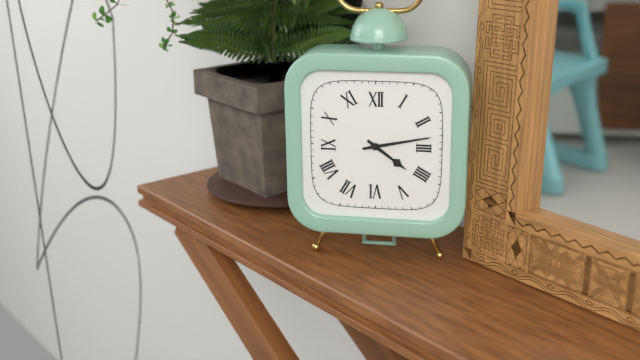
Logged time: 4 h 13 min
